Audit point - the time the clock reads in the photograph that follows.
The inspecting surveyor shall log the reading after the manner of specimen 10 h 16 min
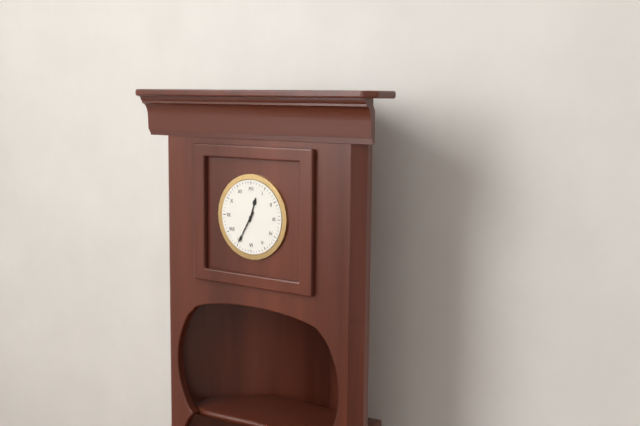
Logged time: 12 h 35 min
